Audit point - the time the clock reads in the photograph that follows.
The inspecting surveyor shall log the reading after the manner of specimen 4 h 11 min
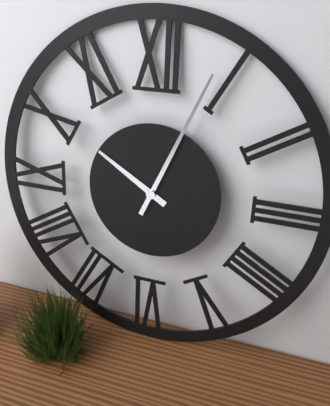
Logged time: 10 h 04 min
